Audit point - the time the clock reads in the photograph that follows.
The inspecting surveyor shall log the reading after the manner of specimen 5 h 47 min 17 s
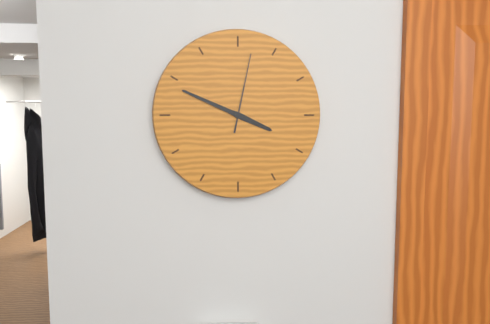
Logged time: 3 h 49 min 02 s
